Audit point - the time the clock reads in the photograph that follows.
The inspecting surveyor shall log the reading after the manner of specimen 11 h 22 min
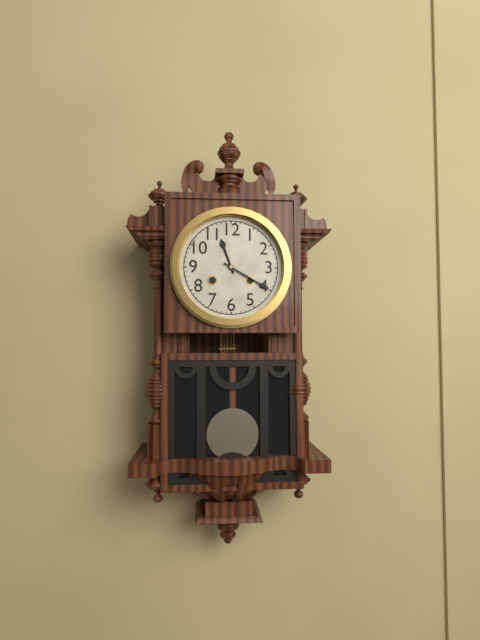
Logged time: 11 h 20 min
